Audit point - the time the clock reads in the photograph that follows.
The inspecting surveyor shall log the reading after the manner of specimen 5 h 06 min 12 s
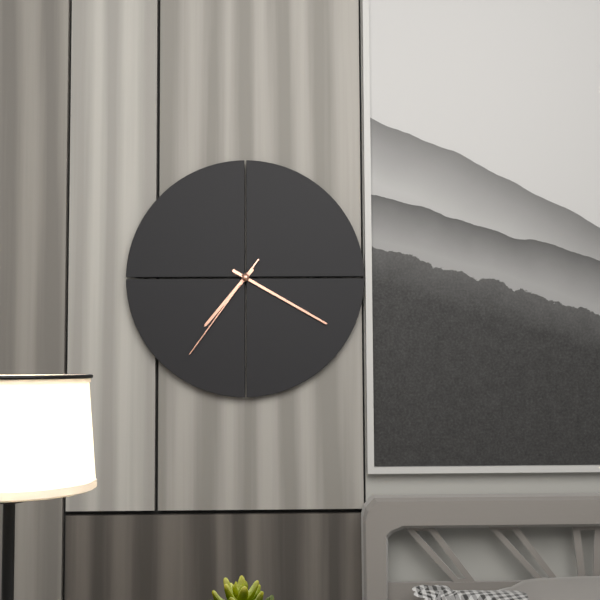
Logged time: 7 h 20 min 36 s
